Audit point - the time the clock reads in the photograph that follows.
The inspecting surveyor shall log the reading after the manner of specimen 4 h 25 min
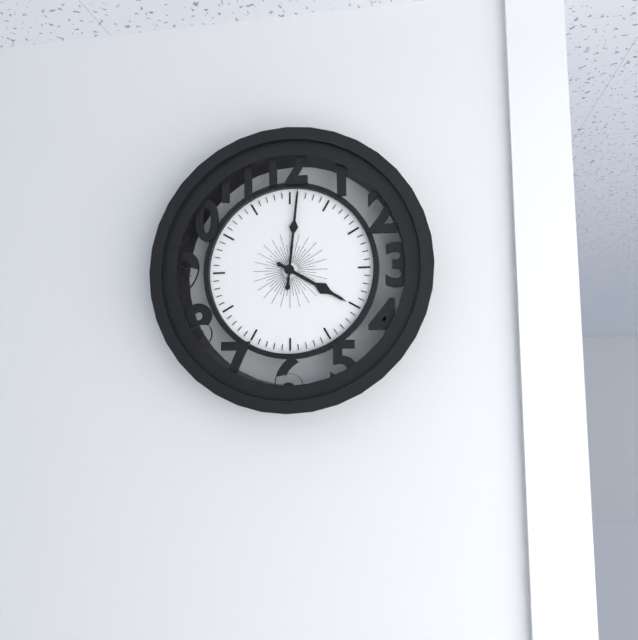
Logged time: 4 h 01 min
